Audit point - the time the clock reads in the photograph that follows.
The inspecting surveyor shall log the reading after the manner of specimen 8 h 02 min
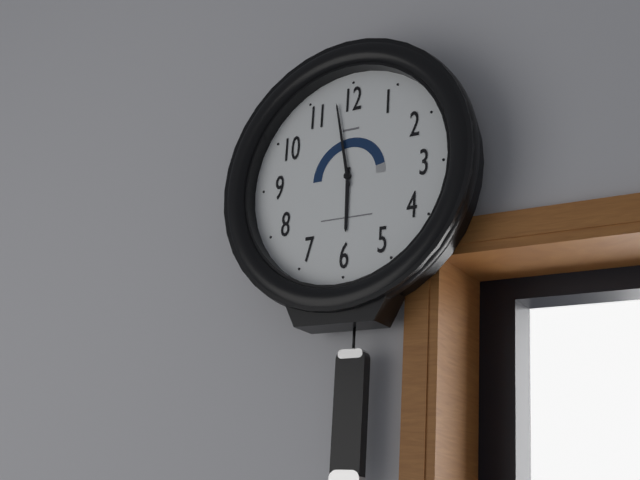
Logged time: 5 h 58 min
